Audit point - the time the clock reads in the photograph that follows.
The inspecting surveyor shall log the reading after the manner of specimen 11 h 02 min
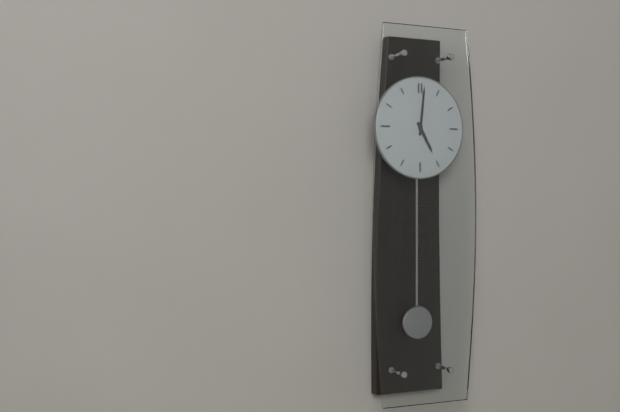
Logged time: 5 h 01 min
